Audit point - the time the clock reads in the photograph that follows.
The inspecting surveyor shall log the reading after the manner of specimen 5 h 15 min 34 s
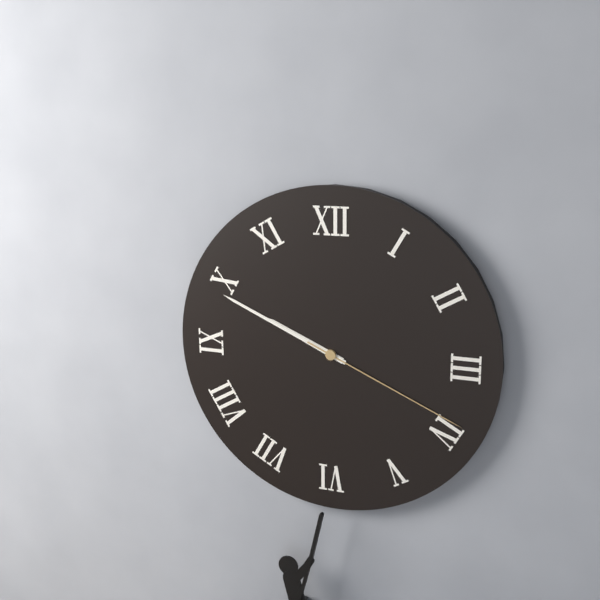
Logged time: 9 h 49 min 19 s
